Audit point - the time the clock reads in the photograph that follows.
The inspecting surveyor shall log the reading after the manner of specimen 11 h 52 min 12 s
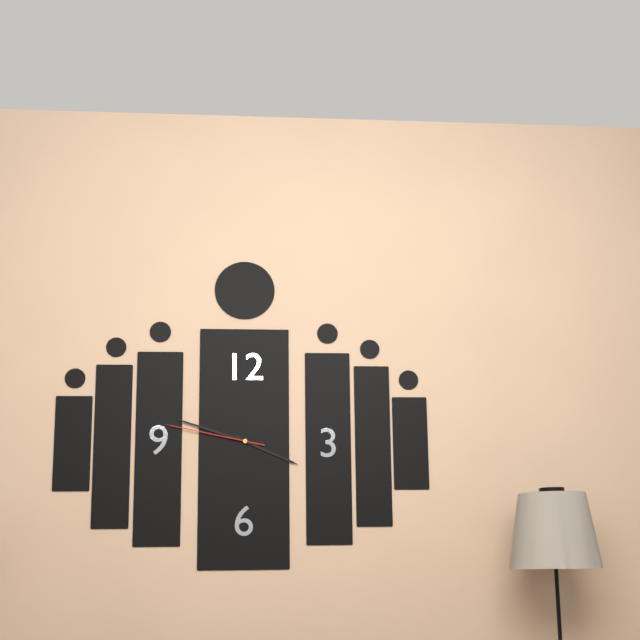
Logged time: 3 h 48 min 47 s
